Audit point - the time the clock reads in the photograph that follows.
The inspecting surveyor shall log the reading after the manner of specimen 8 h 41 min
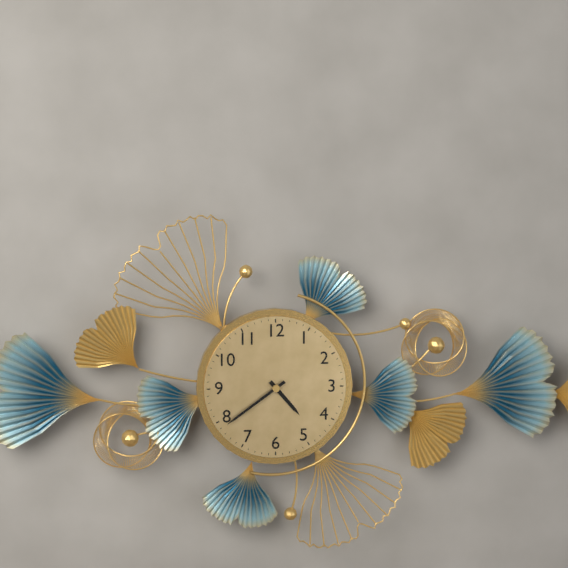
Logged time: 4 h 39 min
